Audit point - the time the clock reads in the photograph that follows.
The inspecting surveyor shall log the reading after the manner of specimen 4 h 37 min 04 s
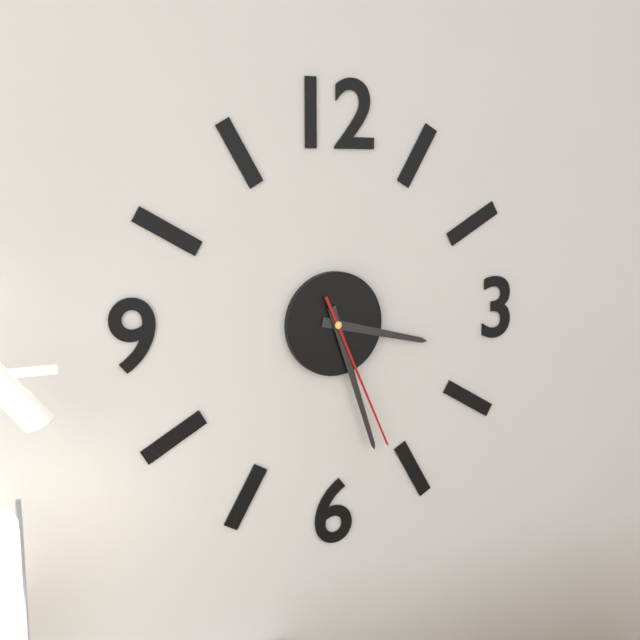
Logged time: 3 h 27 min 26 s
